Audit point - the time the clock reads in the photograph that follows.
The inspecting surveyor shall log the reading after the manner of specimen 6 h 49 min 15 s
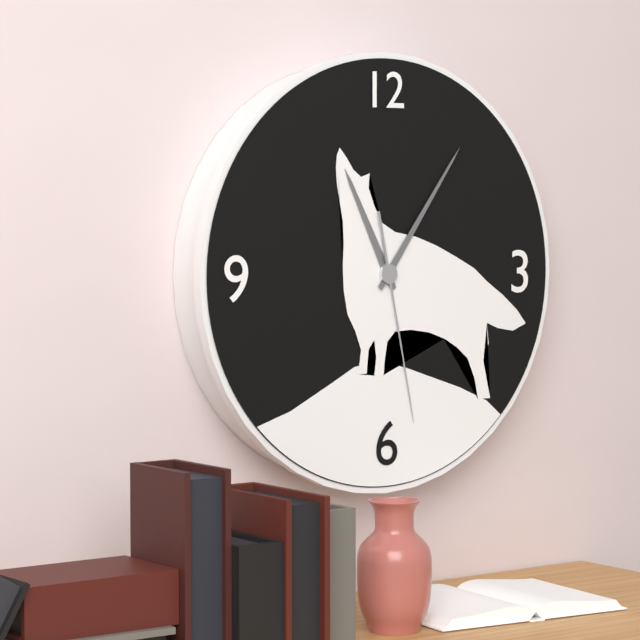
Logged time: 11 h 06 min 28 s
